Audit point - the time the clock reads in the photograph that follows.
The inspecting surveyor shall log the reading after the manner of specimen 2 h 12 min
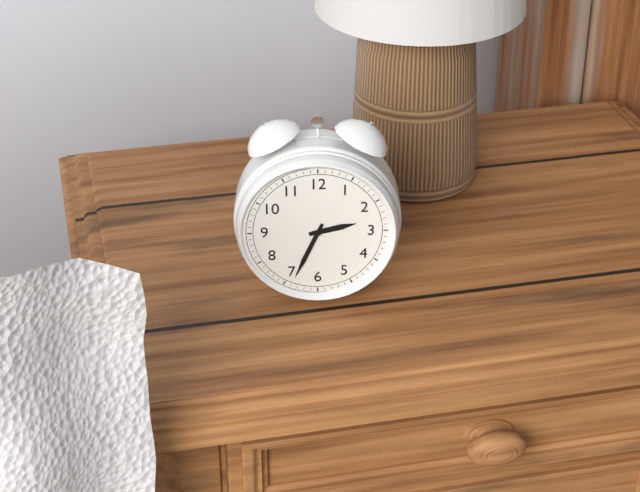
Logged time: 2 h 34 min
